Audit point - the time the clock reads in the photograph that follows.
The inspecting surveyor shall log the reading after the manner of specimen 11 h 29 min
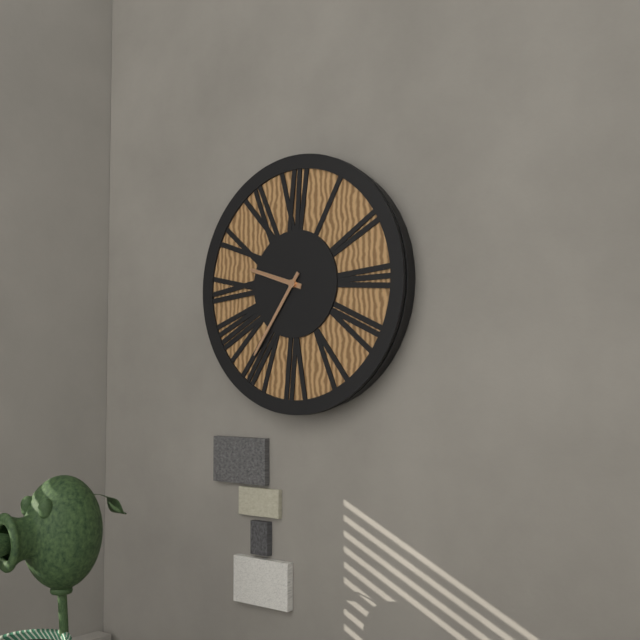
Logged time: 9 h 36 min
